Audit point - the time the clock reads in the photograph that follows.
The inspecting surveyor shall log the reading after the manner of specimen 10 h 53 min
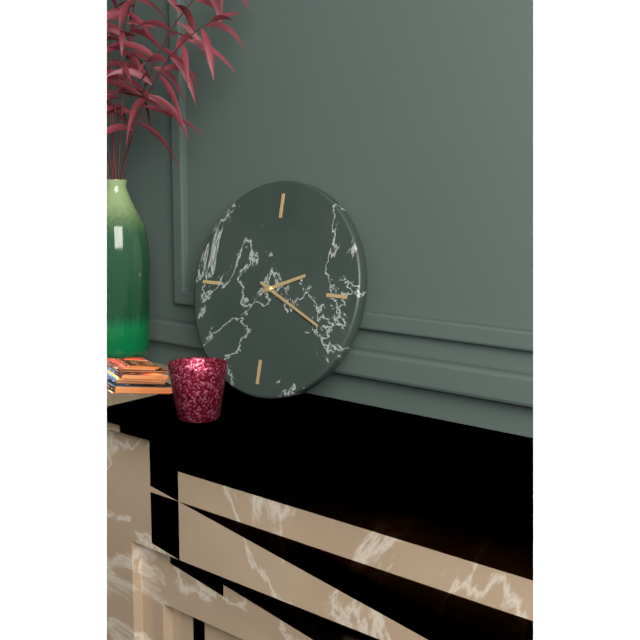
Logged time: 2 h 19 min
